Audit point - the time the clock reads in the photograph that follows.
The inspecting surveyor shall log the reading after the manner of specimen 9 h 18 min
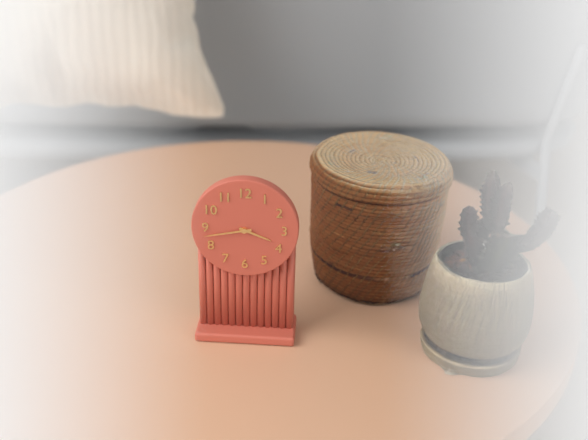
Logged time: 3 h 43 min
